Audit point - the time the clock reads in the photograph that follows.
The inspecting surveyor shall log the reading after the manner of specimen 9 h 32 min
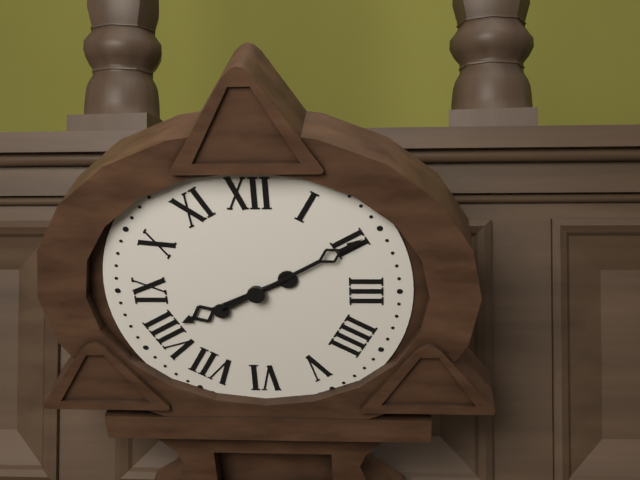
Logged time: 8 h 10 min
